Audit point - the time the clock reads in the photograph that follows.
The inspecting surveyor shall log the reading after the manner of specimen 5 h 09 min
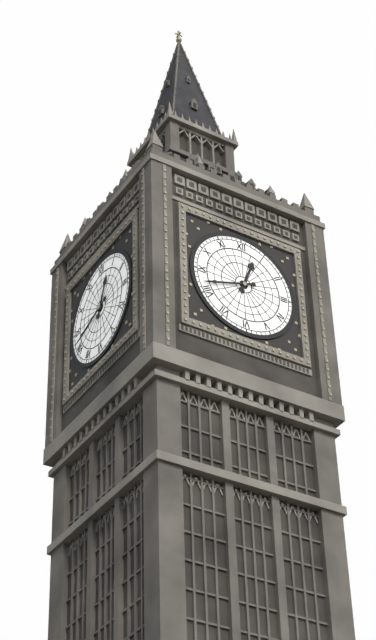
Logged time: 12 h 42 min
